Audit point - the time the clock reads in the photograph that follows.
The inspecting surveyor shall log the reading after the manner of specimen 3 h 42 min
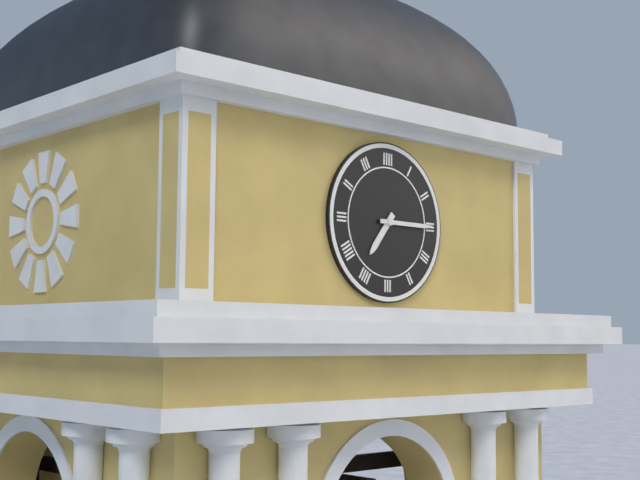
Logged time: 7 h 15 min
